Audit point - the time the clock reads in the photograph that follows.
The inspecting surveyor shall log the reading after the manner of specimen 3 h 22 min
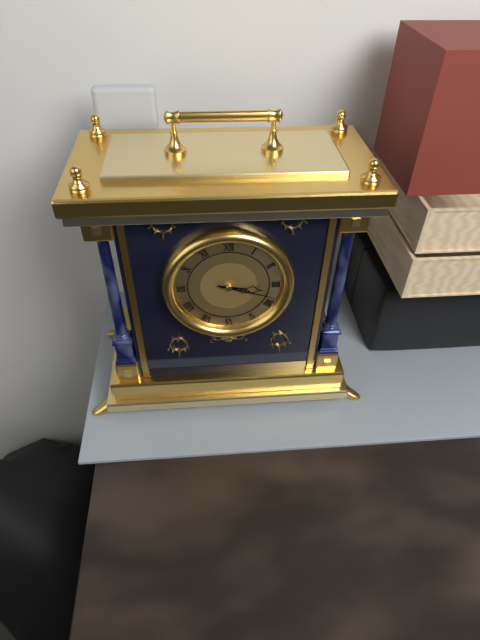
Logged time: 3 h 18 min
